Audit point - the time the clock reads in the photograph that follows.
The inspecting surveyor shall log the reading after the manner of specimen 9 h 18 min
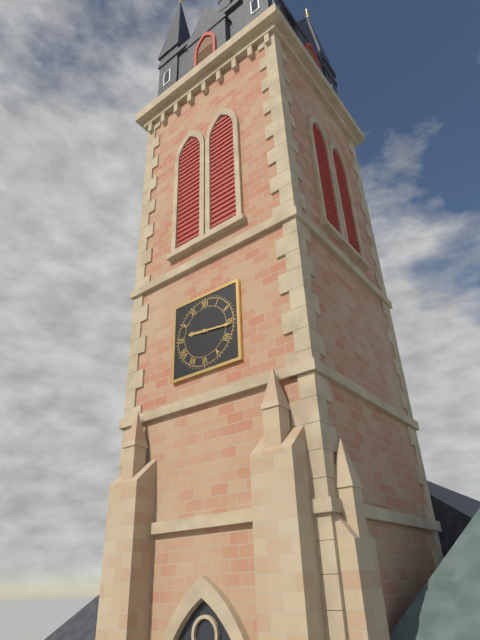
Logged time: 9 h 16 min
